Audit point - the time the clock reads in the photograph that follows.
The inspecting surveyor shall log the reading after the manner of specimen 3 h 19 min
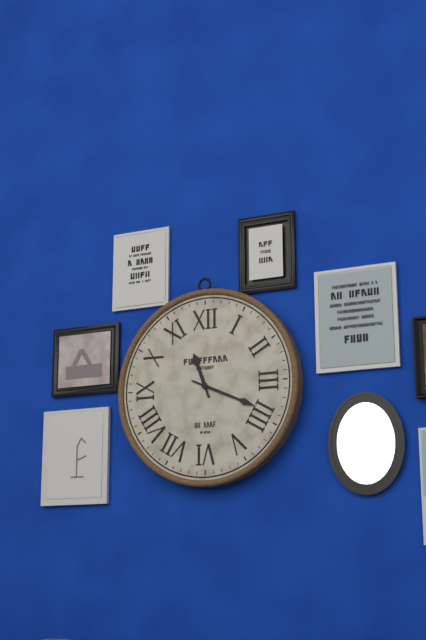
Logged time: 11 h 19 min
